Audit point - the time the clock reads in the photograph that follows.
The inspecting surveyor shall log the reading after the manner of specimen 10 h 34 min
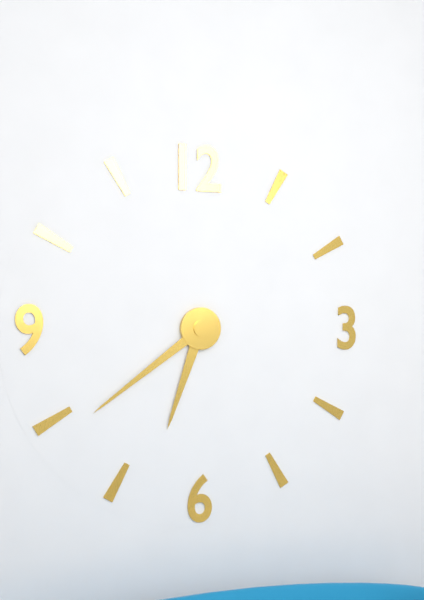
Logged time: 6 h 39 min
